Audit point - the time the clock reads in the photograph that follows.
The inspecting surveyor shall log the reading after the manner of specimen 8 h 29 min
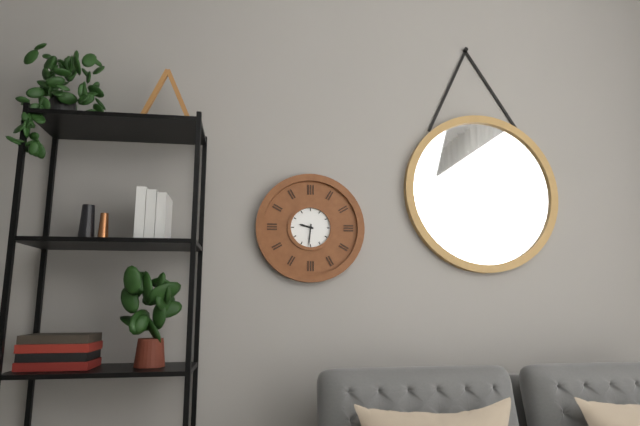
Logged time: 9 h 31 min
